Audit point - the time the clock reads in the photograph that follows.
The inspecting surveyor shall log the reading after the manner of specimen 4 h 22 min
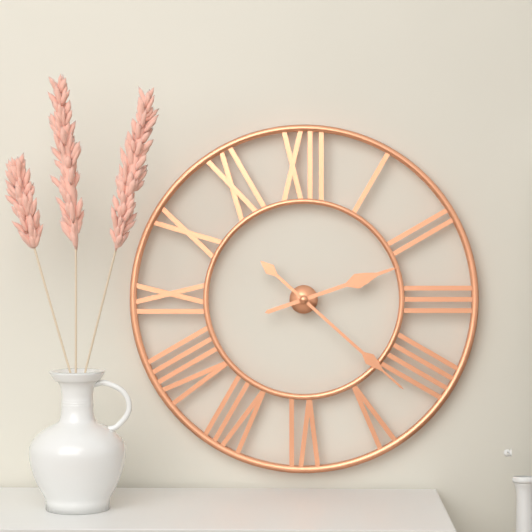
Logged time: 2 h 22 min
